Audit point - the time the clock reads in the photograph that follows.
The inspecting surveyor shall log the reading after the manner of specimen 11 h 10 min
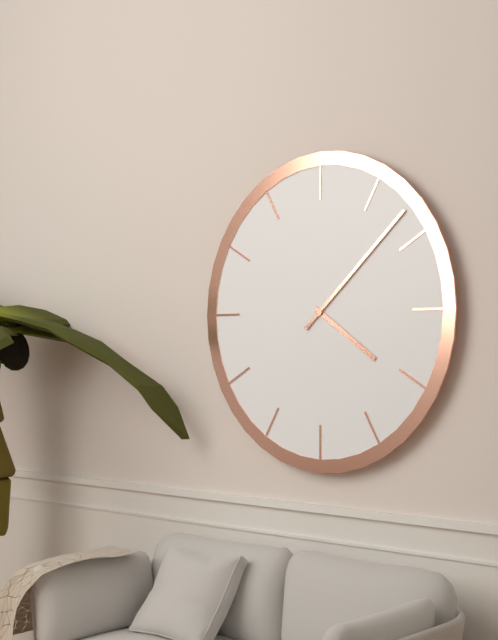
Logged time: 4 h 08 min
